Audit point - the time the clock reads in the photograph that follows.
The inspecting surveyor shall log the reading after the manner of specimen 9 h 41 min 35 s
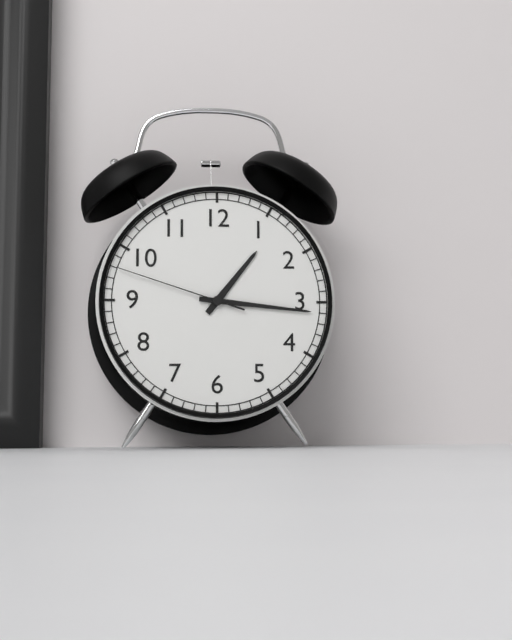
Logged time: 1 h 16 min 48 s
